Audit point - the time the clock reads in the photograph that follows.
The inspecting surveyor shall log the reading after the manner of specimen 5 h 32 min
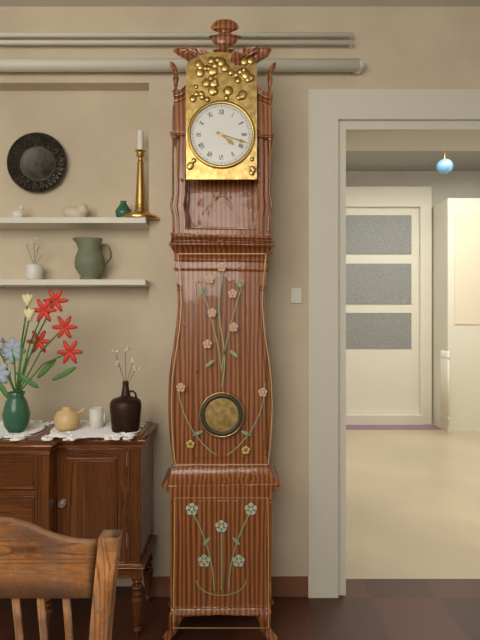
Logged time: 4 h 18 min
